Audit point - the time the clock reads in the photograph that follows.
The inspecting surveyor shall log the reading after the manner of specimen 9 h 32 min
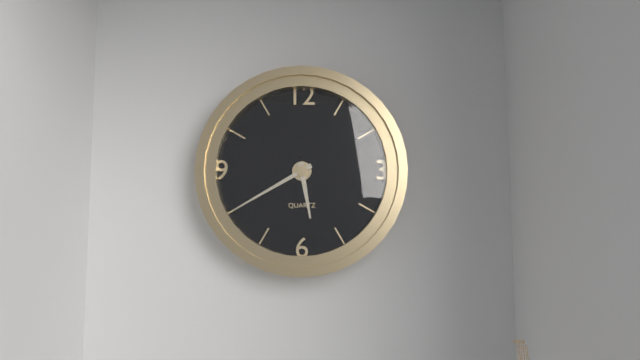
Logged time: 5 h 40 min
